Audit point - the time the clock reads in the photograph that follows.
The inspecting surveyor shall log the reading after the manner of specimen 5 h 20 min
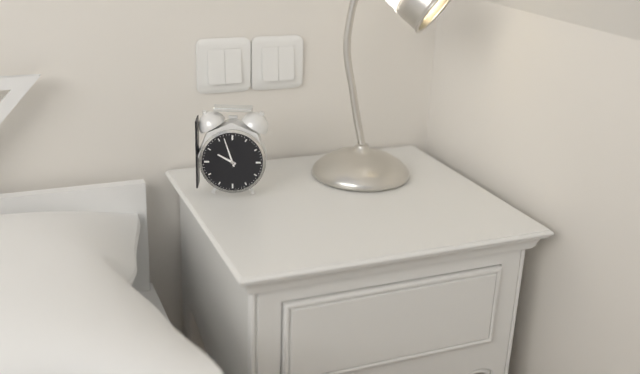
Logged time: 9 h 57 min
